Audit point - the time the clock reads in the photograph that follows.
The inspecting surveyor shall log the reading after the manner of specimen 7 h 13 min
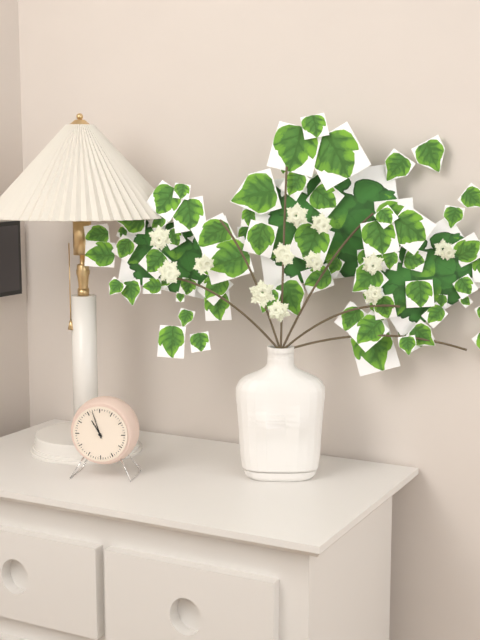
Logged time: 10 h 57 min
